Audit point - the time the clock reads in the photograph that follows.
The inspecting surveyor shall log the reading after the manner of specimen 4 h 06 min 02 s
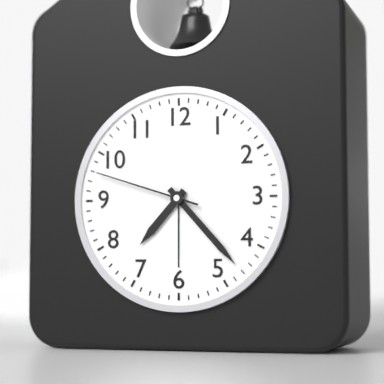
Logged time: 7 h 23 min 48 s
